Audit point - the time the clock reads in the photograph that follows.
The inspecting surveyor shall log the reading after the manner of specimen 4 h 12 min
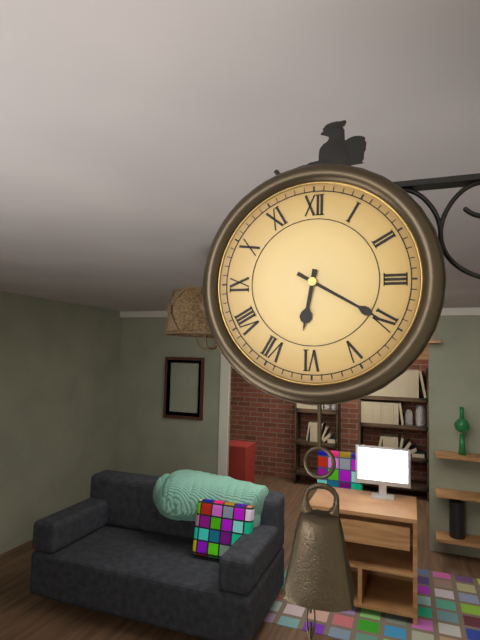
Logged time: 6 h 20 min
